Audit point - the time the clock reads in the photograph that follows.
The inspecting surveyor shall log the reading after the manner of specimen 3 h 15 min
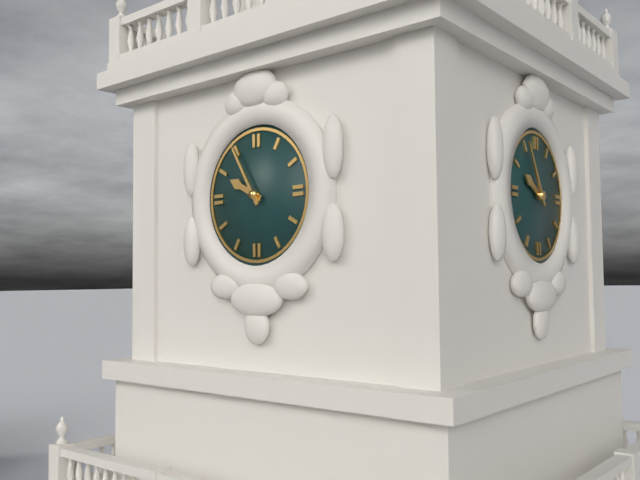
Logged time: 9 h 55 min
